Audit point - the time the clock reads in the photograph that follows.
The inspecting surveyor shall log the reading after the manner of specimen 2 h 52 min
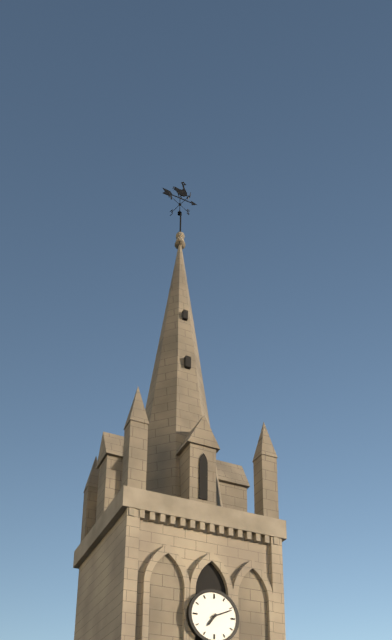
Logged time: 7 h 11 min
